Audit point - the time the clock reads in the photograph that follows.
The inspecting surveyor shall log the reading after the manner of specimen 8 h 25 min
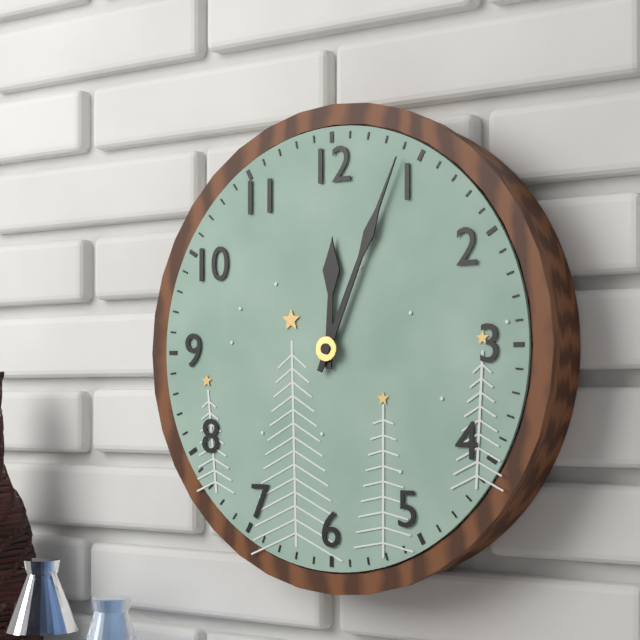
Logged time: 12 h 04 min
